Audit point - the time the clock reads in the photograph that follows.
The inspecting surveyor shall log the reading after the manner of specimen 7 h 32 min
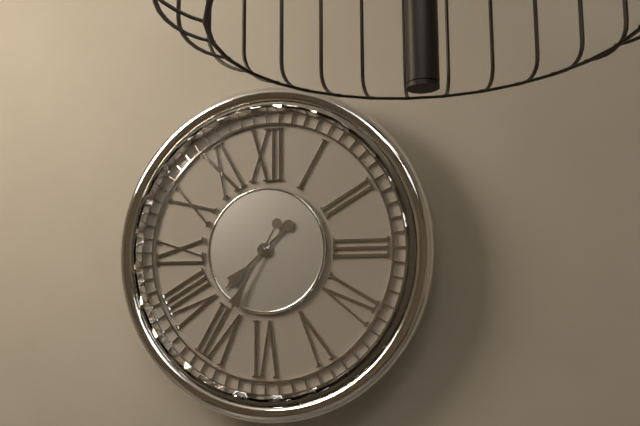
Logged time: 7 h 35 min
